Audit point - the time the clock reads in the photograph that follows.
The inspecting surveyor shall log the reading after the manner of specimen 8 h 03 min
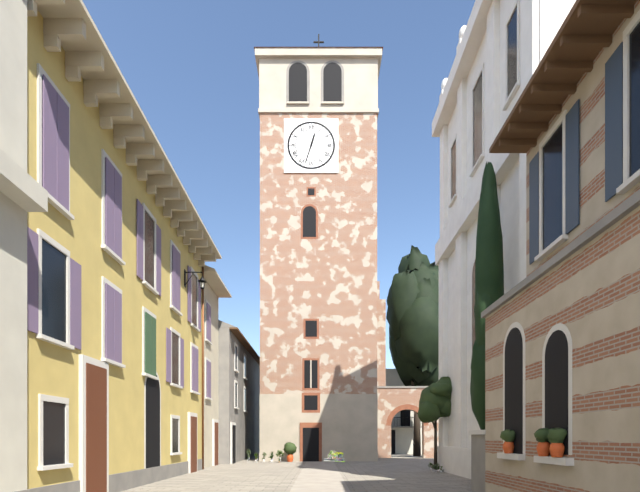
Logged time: 12 h 33 min
